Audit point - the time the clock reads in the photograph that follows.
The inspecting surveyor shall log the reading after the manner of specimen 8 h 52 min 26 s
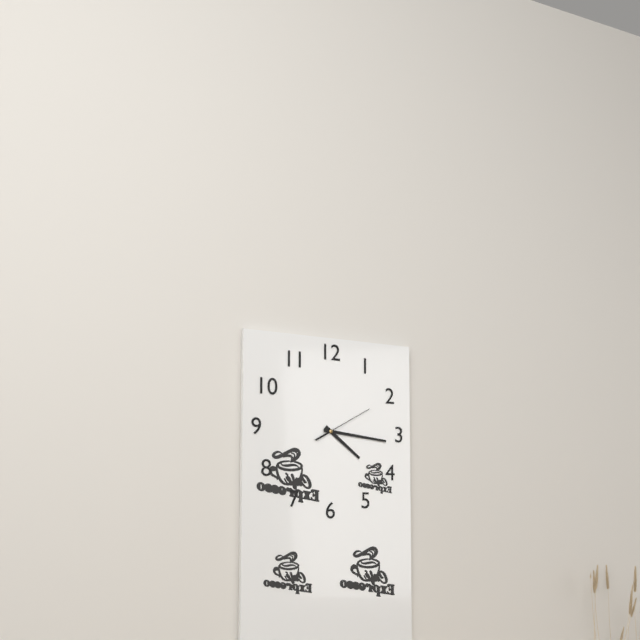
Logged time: 4 h 16 min 10 s
